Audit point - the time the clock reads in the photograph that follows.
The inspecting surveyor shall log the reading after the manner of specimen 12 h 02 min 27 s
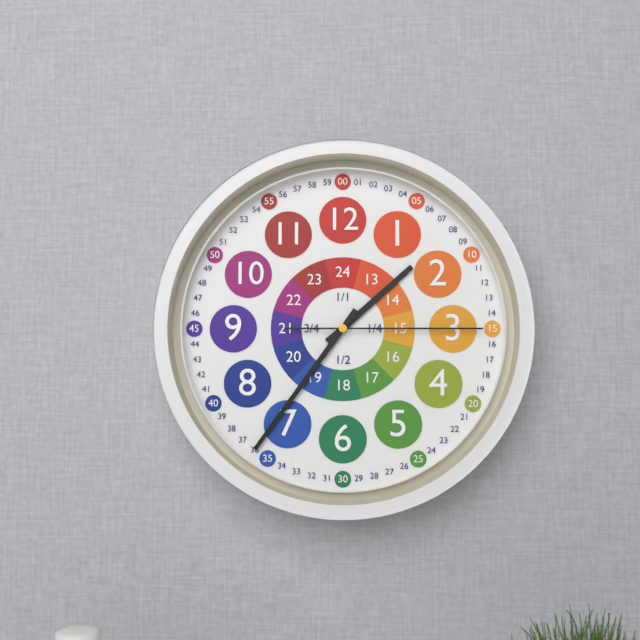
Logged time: 1 h 36 min 15 s
